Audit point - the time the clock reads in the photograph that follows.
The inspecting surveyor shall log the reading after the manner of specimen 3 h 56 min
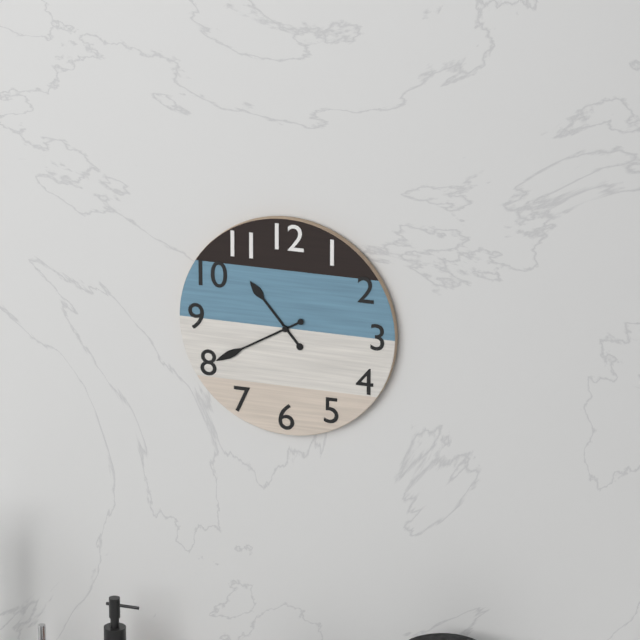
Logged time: 10 h 40 min
